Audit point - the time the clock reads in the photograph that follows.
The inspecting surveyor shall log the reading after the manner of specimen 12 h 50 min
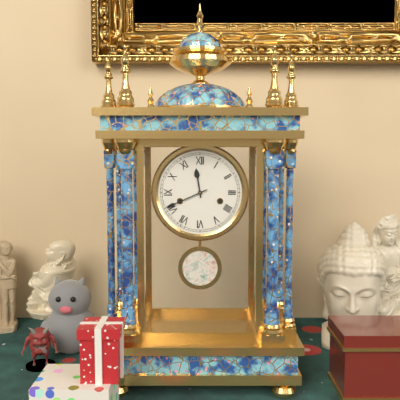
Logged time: 11 h 41 min
